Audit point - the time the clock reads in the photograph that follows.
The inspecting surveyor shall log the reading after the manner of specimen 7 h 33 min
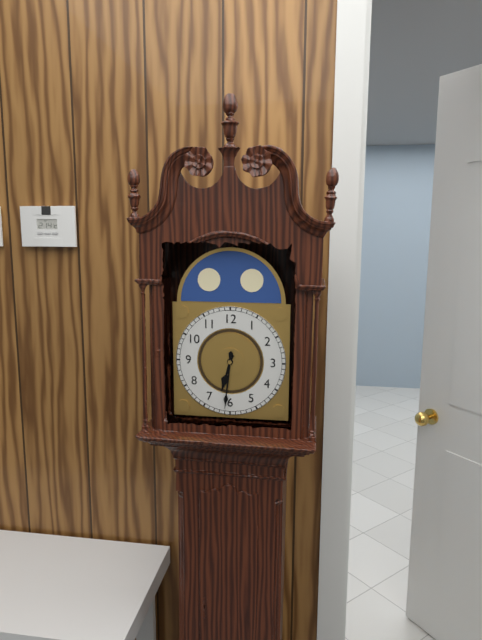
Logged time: 6 h 31 min
